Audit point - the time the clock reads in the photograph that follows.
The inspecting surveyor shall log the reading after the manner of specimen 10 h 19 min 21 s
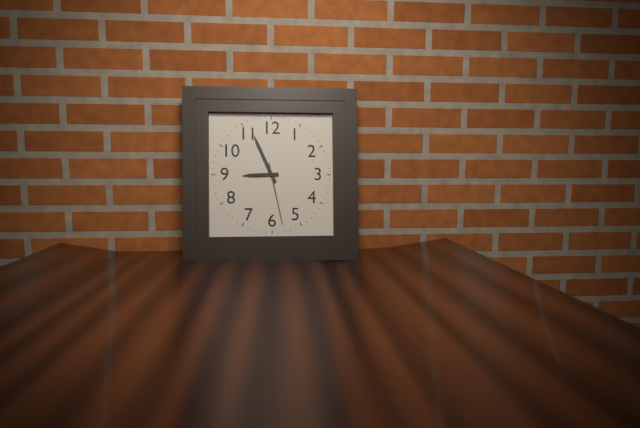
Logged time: 8 h 56 min 28 s
